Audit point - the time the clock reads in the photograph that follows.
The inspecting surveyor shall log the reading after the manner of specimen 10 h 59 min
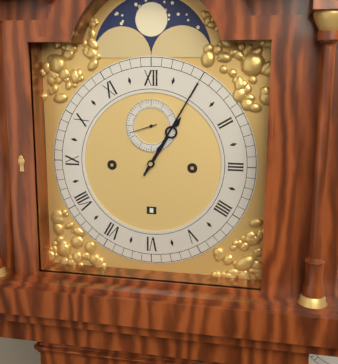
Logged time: 1 h 05 min
